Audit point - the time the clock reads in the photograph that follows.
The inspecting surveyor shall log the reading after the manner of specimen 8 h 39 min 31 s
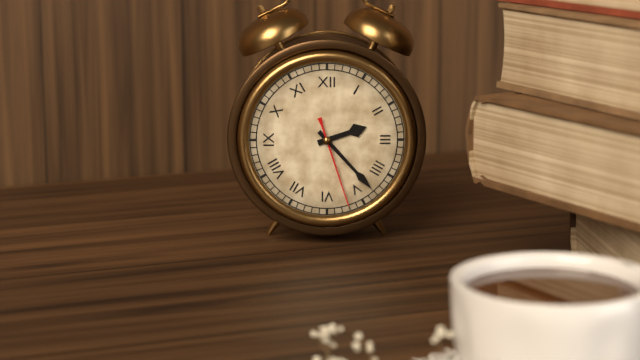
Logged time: 2 h 23 min 27 s
